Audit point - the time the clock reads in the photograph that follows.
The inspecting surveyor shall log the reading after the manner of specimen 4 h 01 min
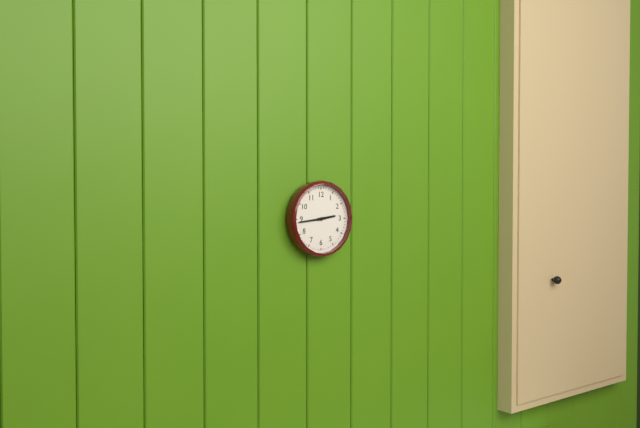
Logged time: 2 h 44 min
